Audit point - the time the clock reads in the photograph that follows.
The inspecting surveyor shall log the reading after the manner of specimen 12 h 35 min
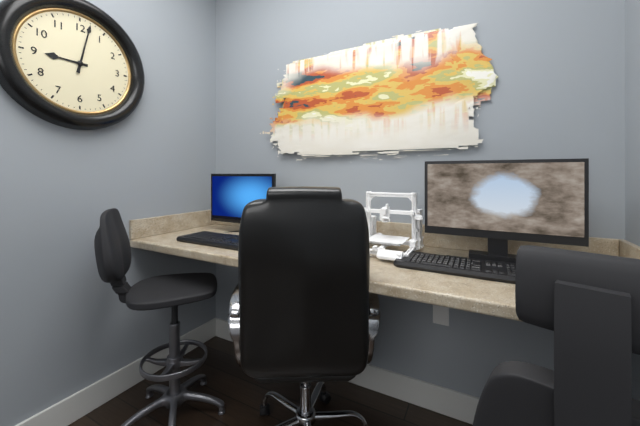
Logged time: 9 h 02 min
